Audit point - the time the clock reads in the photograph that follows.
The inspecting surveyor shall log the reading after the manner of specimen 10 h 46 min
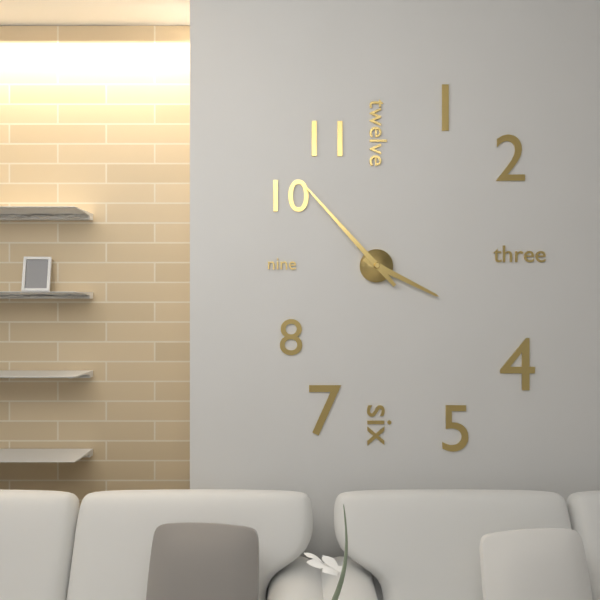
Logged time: 3 h 53 min
